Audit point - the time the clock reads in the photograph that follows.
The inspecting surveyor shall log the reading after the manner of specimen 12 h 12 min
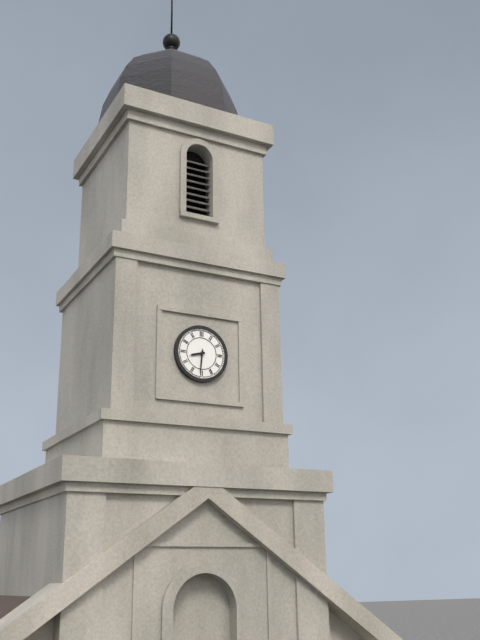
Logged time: 8 h 31 min
